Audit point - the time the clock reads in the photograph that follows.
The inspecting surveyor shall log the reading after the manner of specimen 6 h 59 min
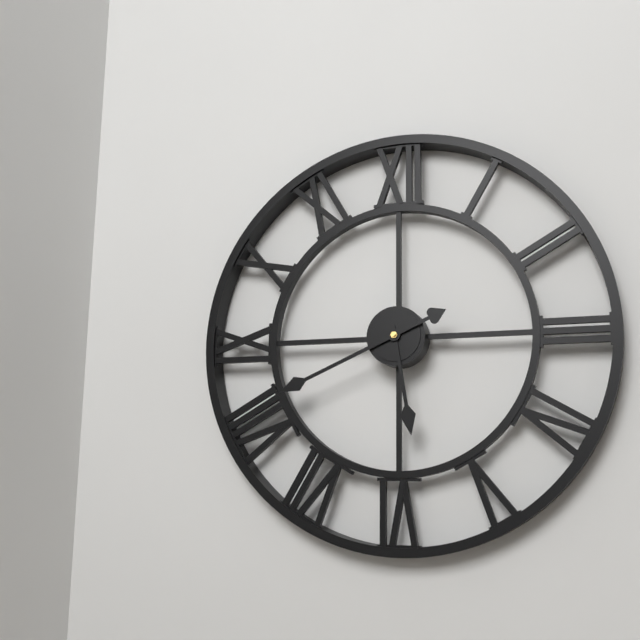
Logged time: 5 h 41 min
